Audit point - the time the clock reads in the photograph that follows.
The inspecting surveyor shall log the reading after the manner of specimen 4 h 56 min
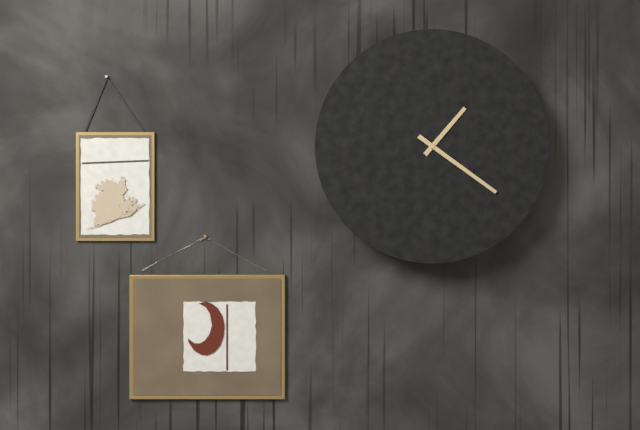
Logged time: 1 h 21 min
